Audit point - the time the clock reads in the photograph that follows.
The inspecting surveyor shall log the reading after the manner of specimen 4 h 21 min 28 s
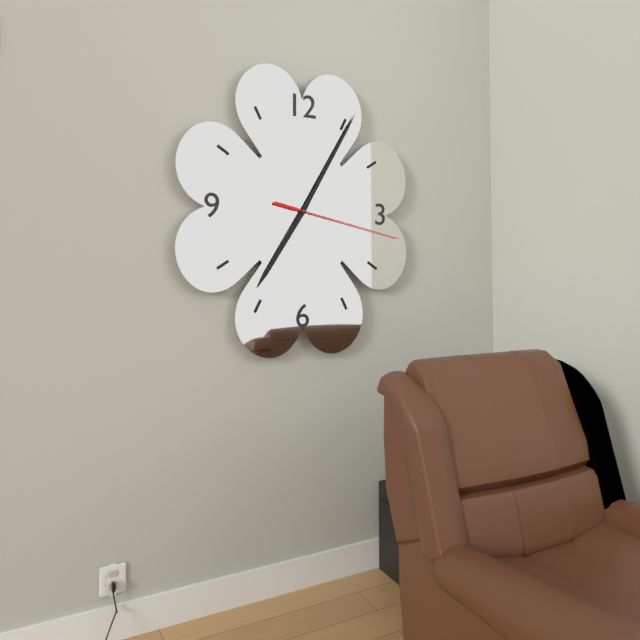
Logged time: 7 h 05 min 17 s
